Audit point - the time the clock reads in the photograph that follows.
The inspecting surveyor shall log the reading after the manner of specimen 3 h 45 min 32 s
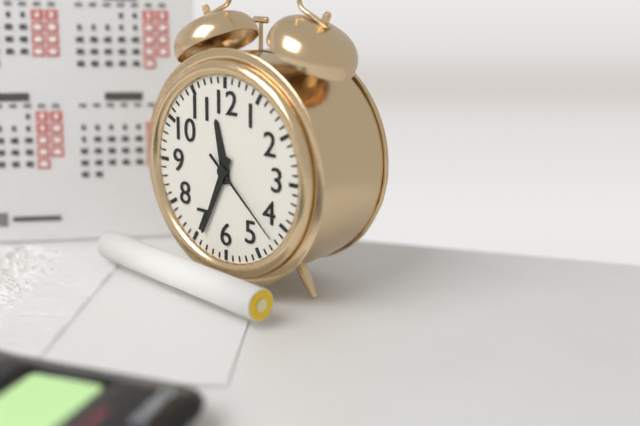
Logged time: 11 h 34 min 22 s
